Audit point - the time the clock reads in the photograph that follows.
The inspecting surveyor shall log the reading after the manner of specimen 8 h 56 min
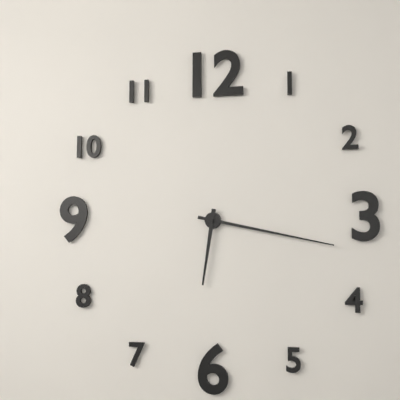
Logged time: 6 h 17 min
